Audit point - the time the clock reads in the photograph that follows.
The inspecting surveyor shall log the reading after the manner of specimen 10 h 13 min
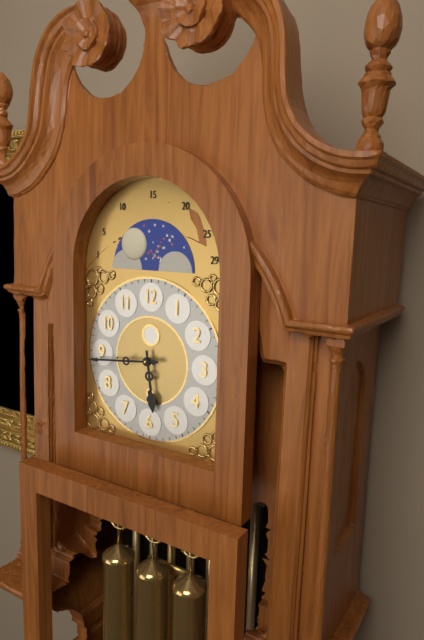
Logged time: 5 h 44 min
